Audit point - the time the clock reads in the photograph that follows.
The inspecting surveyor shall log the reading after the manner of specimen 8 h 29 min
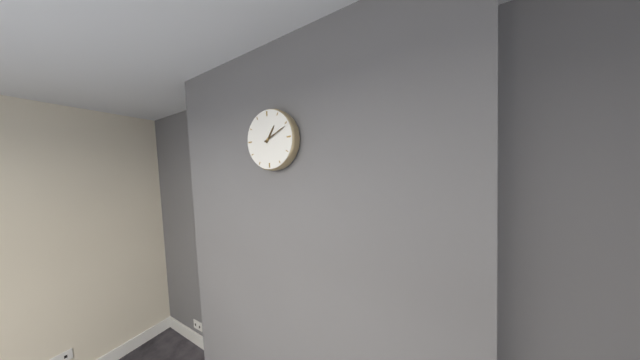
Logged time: 1 h 11 min
